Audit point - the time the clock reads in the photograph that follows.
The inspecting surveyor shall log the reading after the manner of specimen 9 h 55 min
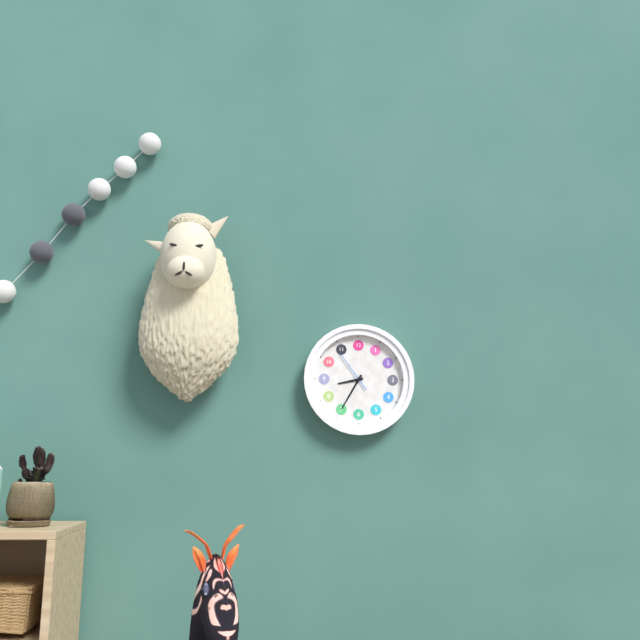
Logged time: 8 h 35 min
